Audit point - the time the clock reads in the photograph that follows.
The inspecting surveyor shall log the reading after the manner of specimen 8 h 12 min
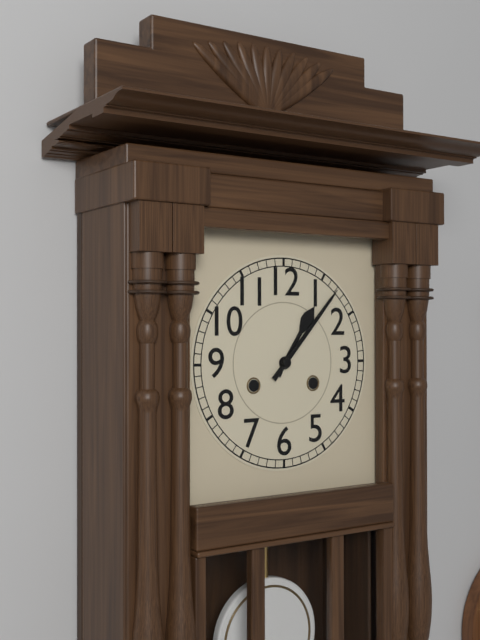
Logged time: 1 h 07 min
